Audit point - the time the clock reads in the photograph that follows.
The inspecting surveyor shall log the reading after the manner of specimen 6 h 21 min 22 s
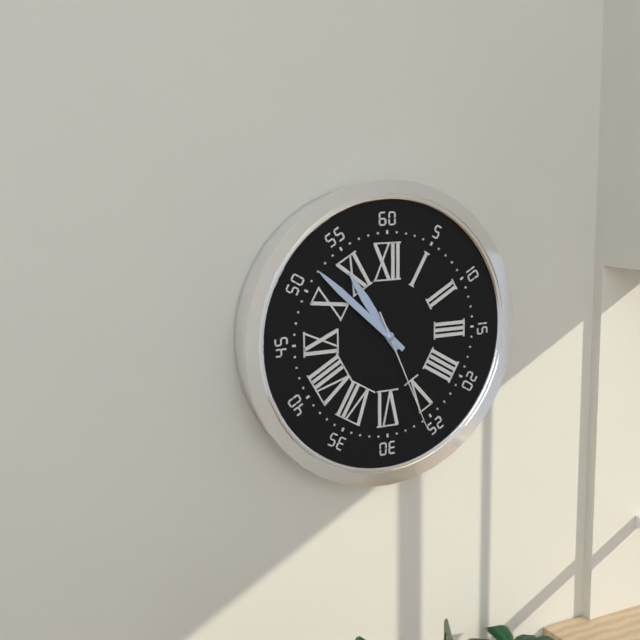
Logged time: 10 h 52 min 26 s
